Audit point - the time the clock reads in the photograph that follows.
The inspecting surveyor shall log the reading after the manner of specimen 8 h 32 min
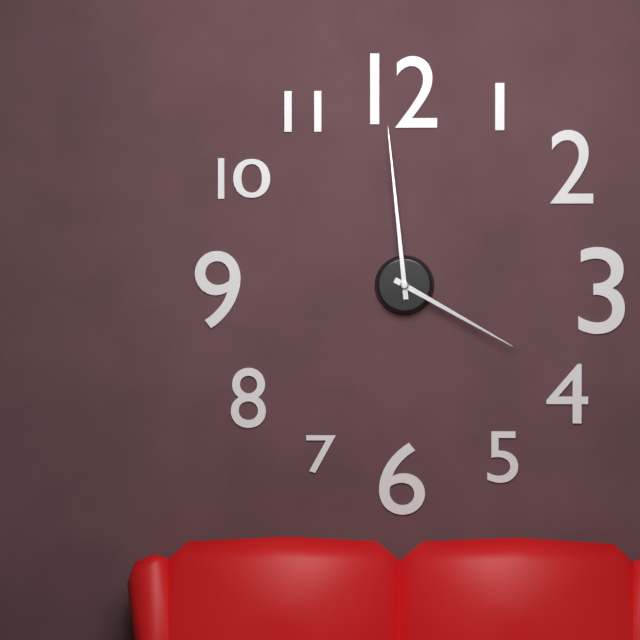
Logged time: 3 h 59 min
